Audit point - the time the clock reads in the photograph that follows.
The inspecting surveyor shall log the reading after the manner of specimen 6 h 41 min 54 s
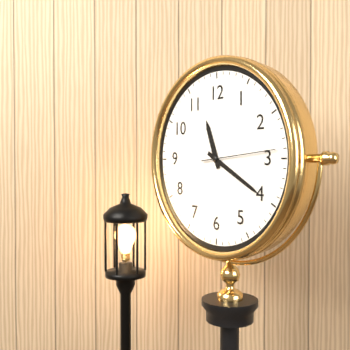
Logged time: 11 h 20 min 14 s
